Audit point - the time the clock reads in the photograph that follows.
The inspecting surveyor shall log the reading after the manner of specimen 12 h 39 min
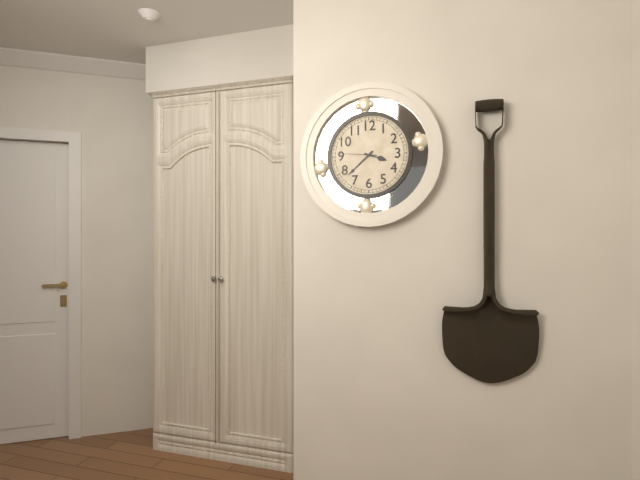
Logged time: 3 h 38 min
